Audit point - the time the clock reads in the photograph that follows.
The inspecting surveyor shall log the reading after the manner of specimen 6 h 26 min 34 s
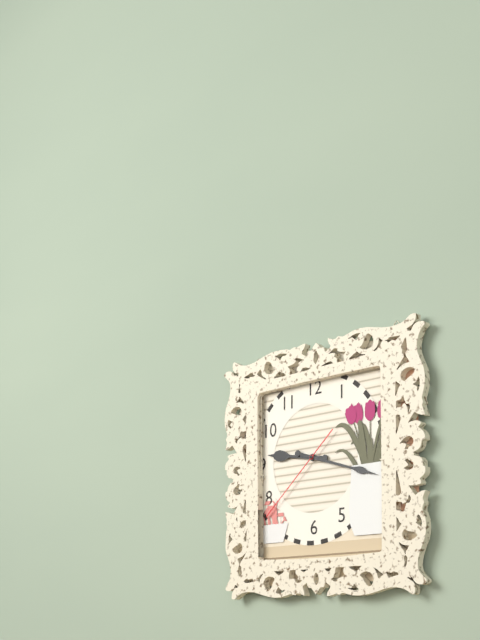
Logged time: 9 h 18 min 38 s
